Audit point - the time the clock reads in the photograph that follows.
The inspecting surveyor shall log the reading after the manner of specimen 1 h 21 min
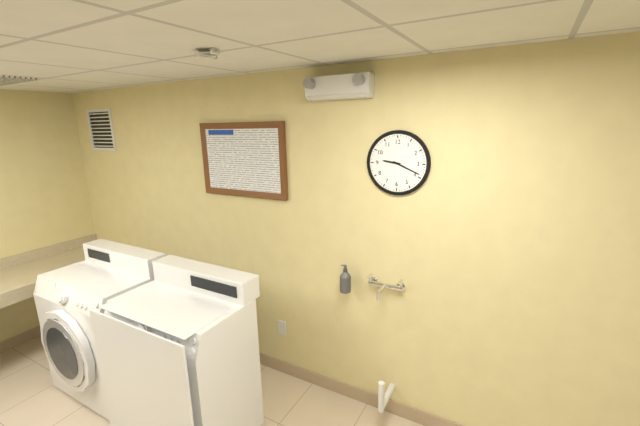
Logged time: 9 h 19 min
